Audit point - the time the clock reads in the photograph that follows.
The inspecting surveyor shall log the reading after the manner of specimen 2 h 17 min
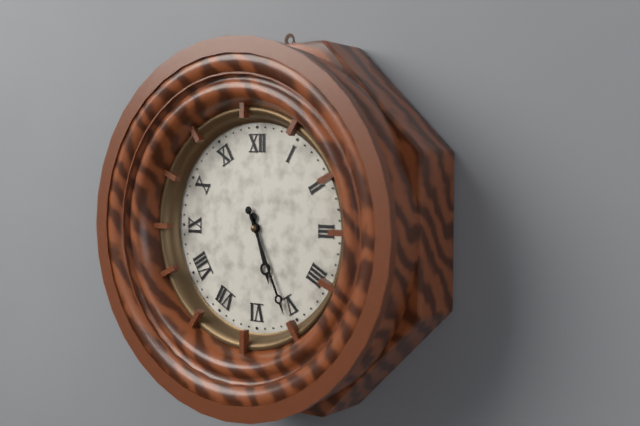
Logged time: 5 h 26 min
